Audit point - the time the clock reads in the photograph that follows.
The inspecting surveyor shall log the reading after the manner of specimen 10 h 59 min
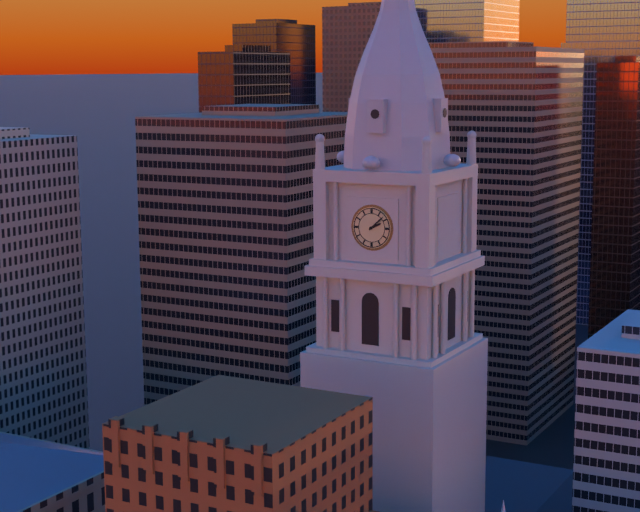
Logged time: 2 h 08 min
